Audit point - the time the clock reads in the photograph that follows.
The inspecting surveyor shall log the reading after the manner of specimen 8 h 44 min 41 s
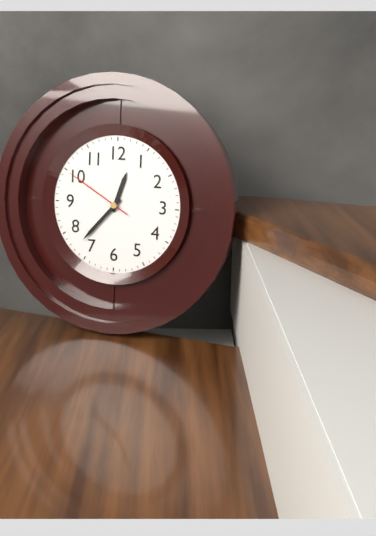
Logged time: 12 h 37 min 50 s
